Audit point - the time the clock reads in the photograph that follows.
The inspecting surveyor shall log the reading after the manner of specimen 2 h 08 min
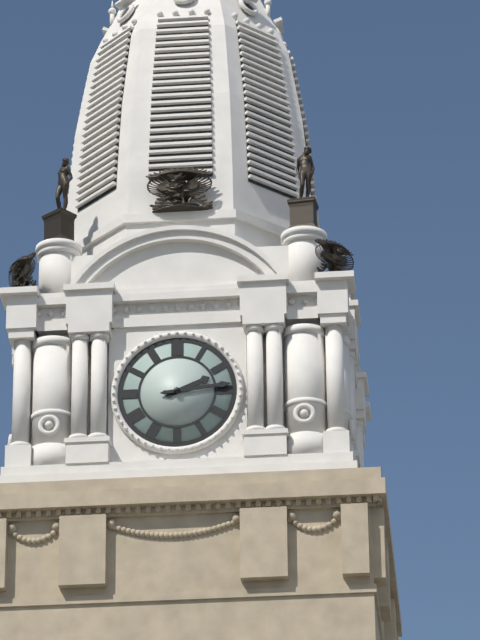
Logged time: 2 h 14 min
